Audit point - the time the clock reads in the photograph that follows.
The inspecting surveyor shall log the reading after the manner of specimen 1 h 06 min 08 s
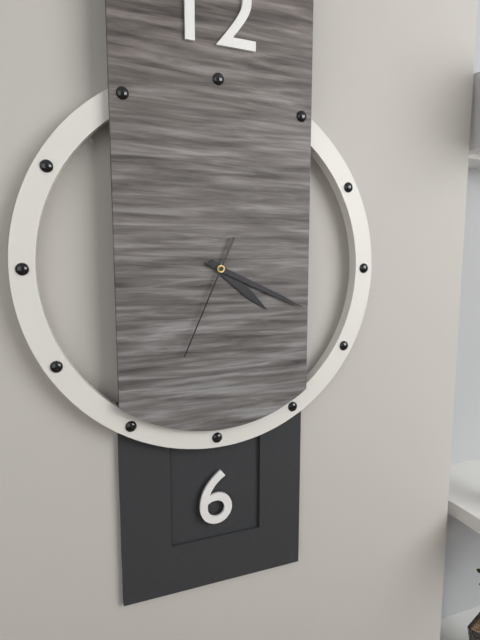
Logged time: 4 h 19 min 34 s
